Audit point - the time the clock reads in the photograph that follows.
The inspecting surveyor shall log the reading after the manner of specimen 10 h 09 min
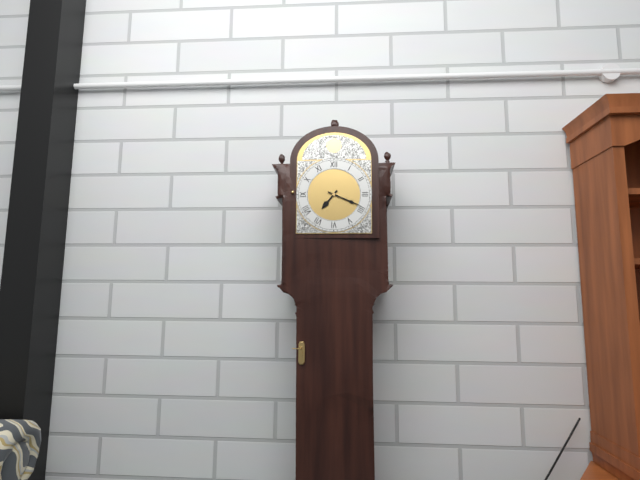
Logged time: 7 h 19 min
